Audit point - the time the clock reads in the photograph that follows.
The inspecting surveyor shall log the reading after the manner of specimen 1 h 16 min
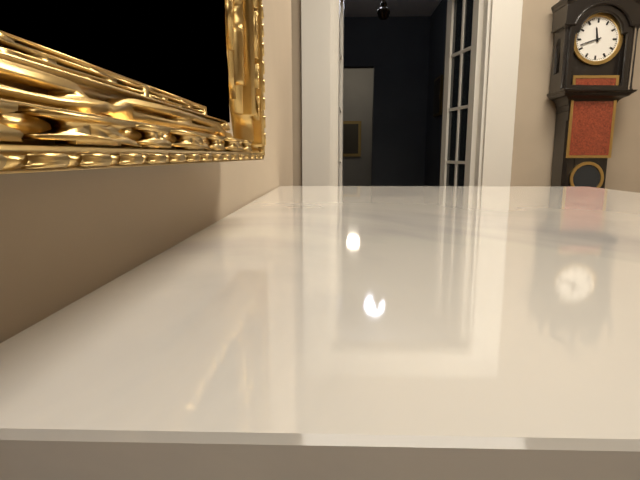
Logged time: 11 h 42 min
